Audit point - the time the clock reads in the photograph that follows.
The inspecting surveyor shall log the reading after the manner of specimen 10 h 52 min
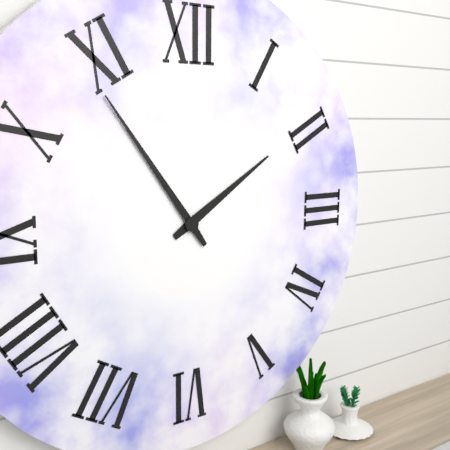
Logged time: 1 h 54 min
